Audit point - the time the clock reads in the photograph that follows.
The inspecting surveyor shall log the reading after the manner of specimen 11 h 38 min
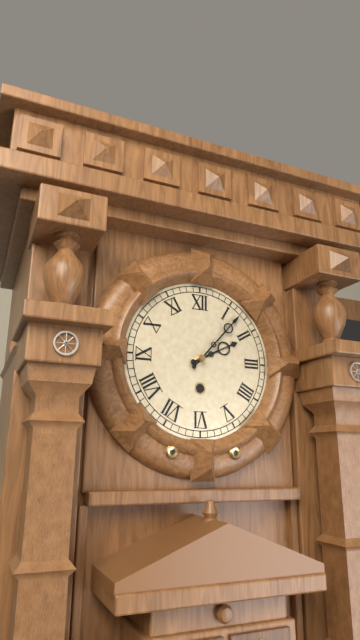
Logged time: 2 h 07 min
